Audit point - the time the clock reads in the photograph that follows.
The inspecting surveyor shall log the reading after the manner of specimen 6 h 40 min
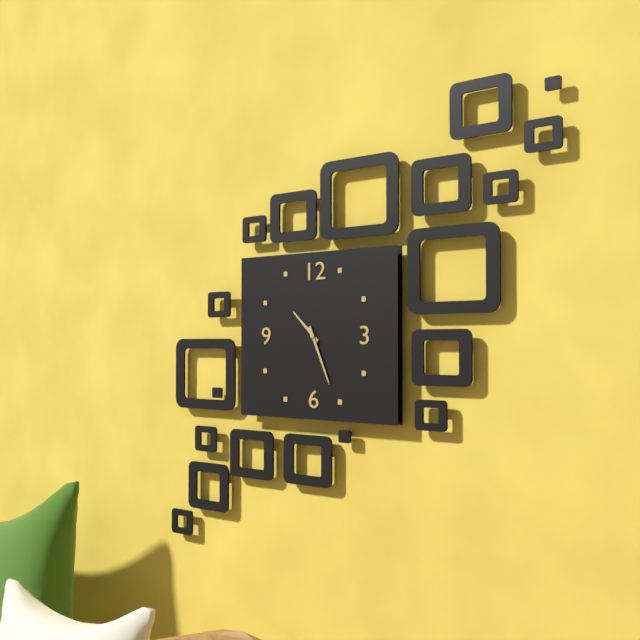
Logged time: 10 h 26 min
